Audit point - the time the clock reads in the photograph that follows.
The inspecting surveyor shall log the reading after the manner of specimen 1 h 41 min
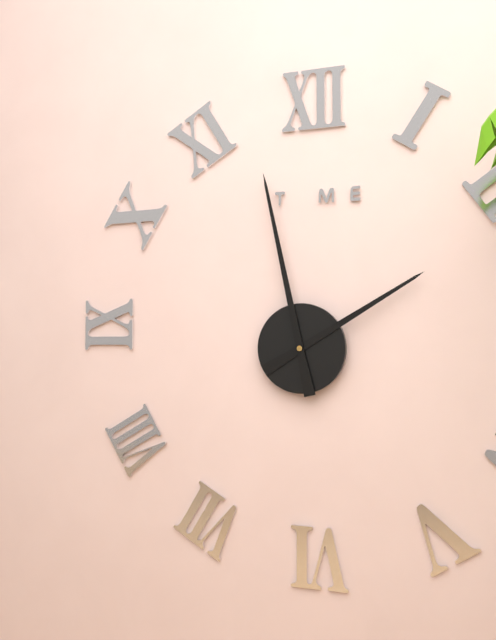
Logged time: 1 h 58 min
